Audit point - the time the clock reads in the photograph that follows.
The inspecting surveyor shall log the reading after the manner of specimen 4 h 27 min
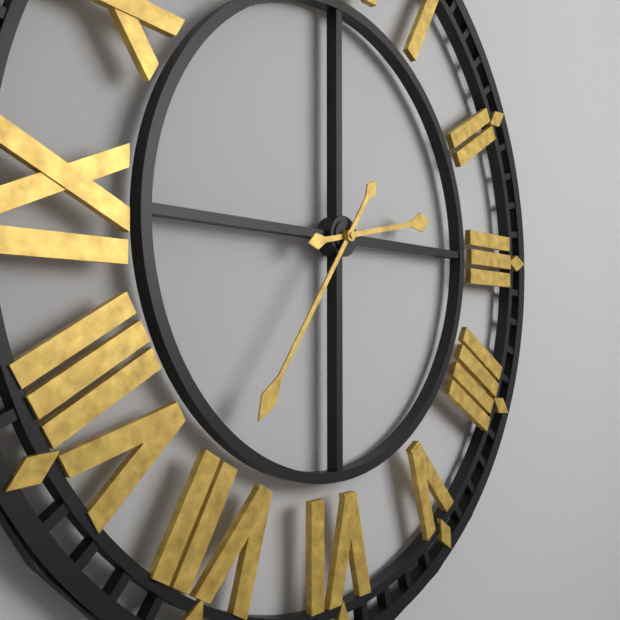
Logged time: 2 h 36 min
